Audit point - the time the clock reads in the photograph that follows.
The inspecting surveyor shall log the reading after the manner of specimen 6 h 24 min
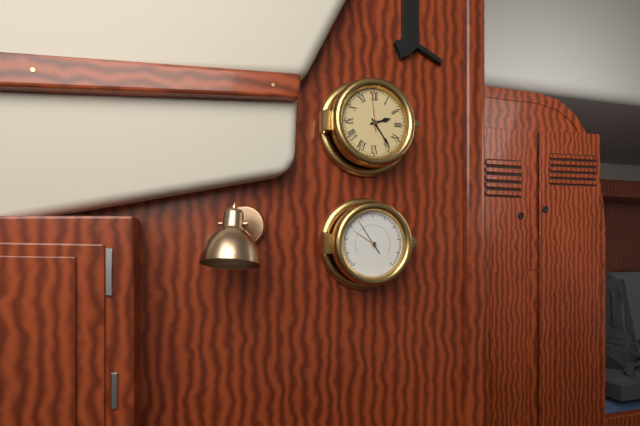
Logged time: 2 h 24 min
